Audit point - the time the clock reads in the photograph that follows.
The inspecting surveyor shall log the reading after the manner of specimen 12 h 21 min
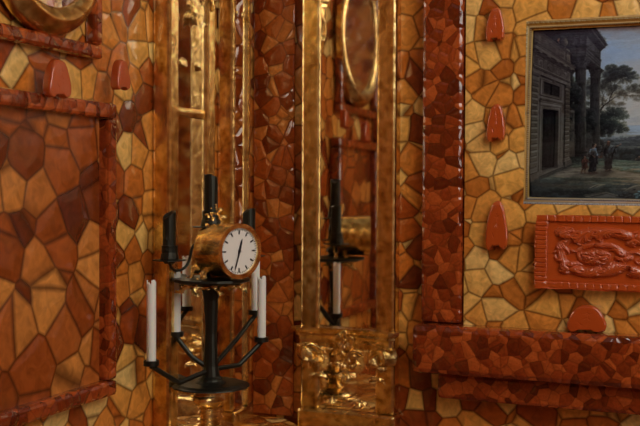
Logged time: 12 h 33 min
